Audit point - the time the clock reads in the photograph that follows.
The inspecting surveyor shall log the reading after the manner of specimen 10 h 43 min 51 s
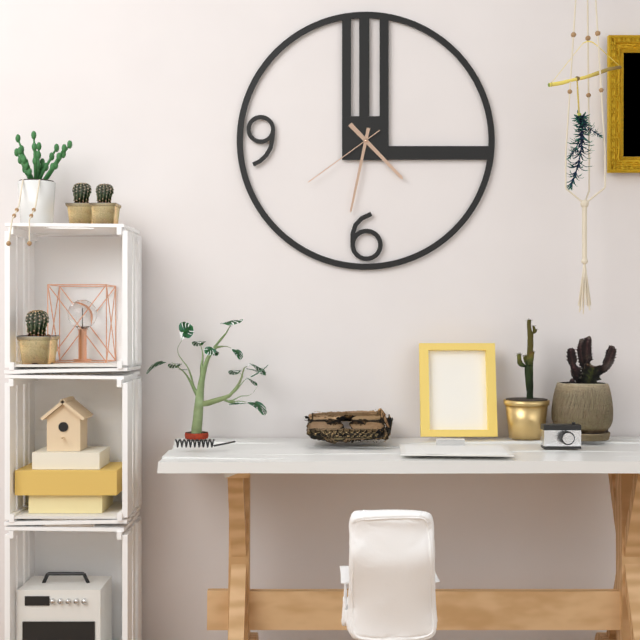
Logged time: 4 h 32 min 39 s
